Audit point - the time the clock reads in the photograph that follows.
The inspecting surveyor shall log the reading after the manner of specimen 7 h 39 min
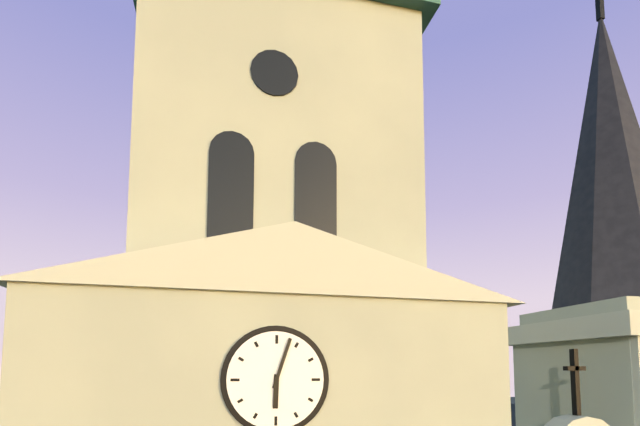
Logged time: 6 h 03 min
